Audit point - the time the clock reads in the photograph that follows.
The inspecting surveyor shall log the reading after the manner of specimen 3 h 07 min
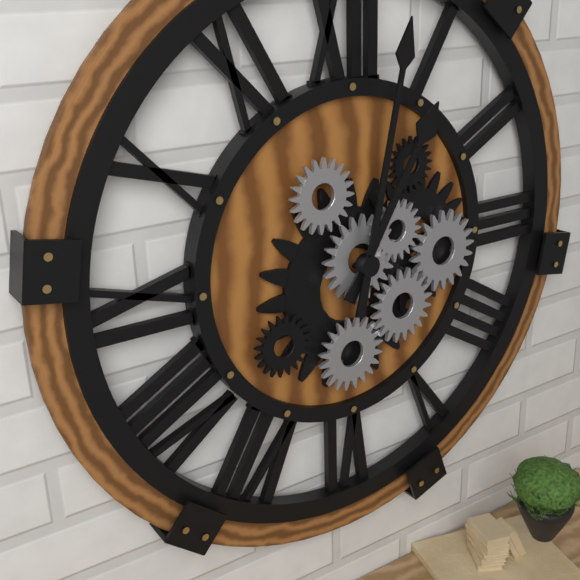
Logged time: 1 h 02 min
